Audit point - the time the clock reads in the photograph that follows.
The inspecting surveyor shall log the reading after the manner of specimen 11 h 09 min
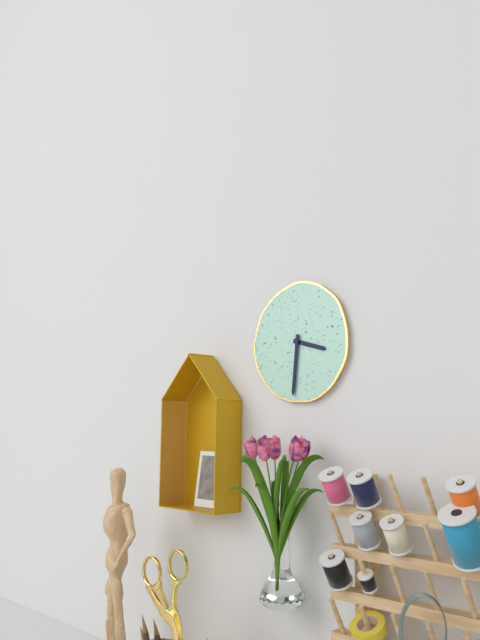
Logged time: 3 h 31 min
